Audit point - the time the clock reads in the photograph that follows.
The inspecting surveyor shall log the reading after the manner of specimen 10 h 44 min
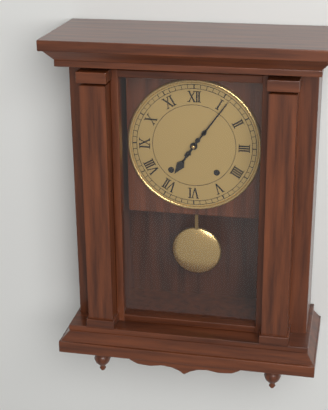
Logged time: 7 h 06 min
